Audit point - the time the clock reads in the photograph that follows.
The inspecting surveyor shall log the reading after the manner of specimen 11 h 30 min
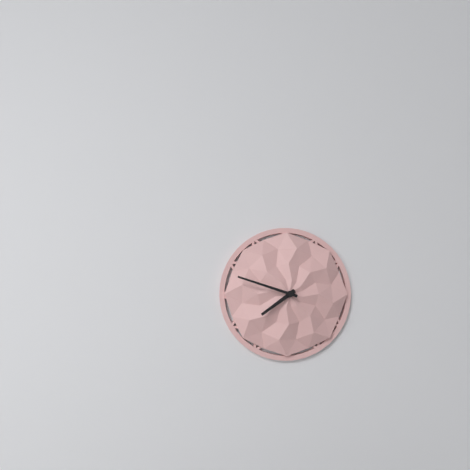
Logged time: 7 h 48 min
